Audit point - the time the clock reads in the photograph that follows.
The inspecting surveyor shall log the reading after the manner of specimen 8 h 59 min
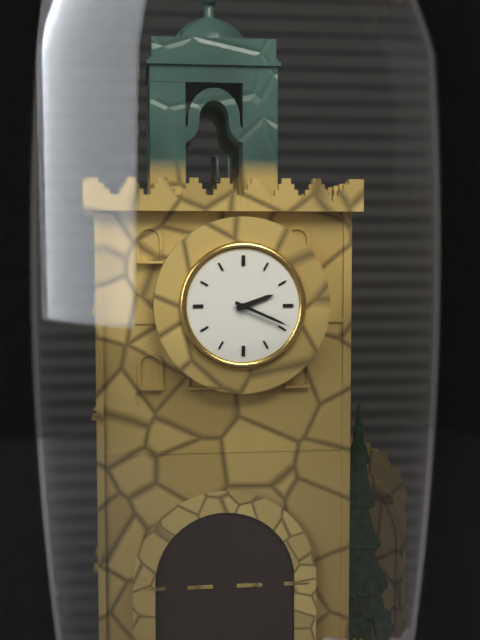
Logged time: 2 h 19 min
